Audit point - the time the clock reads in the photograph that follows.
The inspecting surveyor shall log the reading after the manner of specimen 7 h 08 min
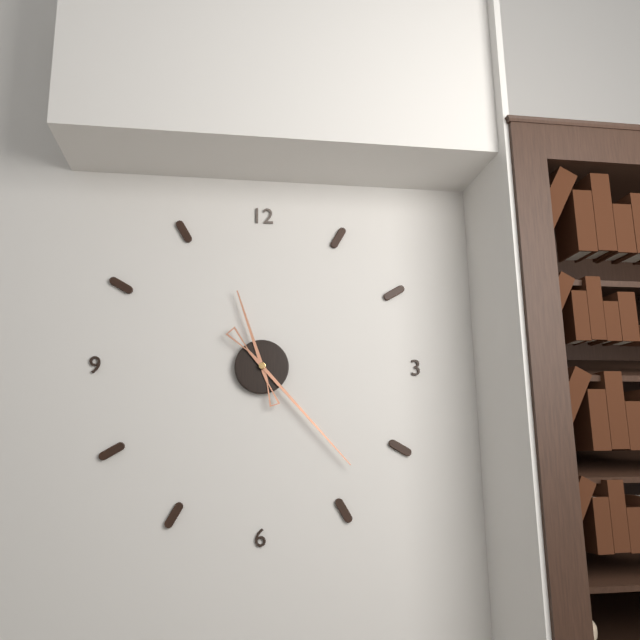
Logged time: 11 h 23 min
